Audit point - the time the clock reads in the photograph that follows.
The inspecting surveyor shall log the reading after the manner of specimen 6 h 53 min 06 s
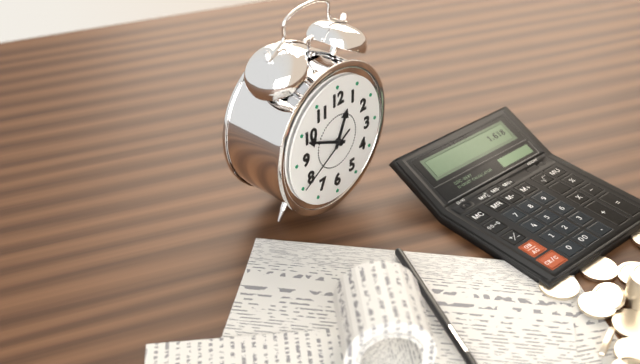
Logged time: 12 h 49 min 40 s
